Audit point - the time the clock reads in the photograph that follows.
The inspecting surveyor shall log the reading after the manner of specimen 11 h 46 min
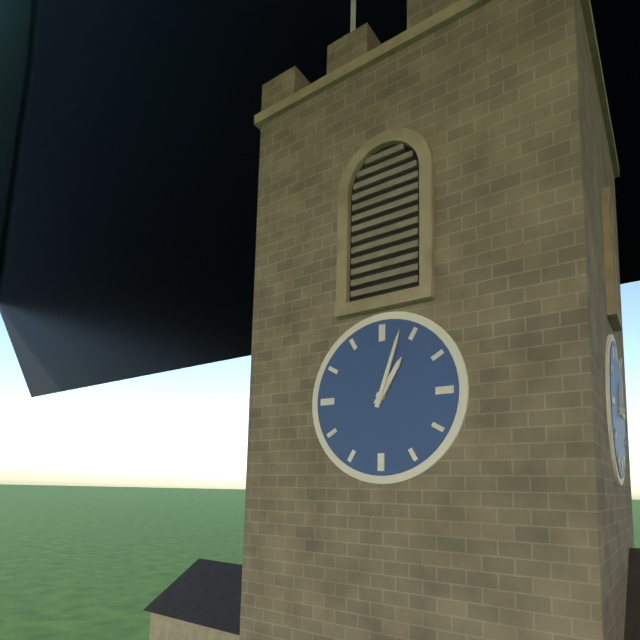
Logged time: 1 h 03 min
